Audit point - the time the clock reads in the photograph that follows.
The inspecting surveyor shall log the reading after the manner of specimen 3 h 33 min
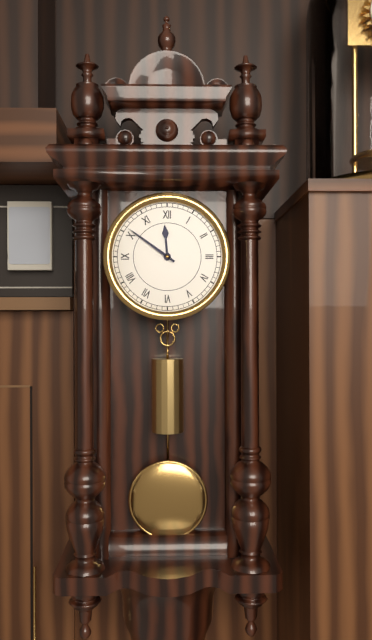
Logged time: 11 h 51 min
